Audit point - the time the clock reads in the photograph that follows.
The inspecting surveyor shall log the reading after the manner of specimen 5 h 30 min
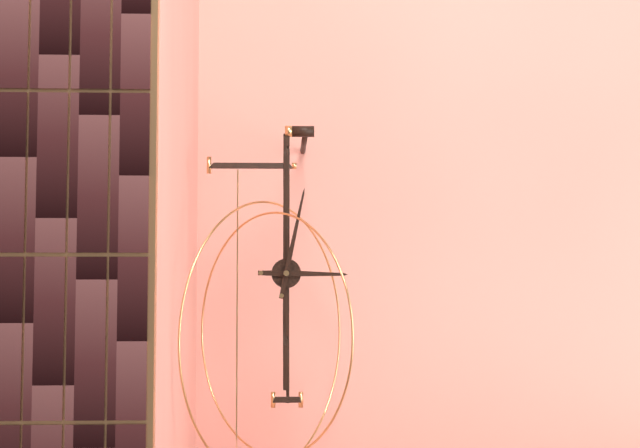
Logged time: 3 h 02 min
